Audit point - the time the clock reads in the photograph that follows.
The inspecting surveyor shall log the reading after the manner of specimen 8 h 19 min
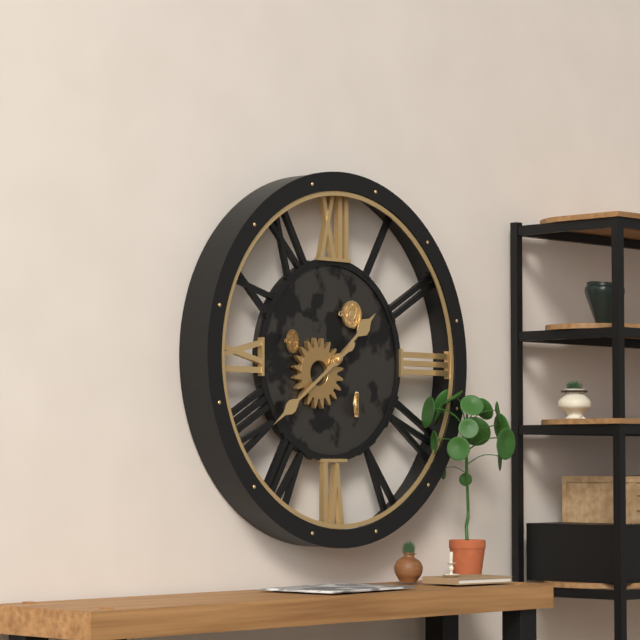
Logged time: 1 h 39 min
